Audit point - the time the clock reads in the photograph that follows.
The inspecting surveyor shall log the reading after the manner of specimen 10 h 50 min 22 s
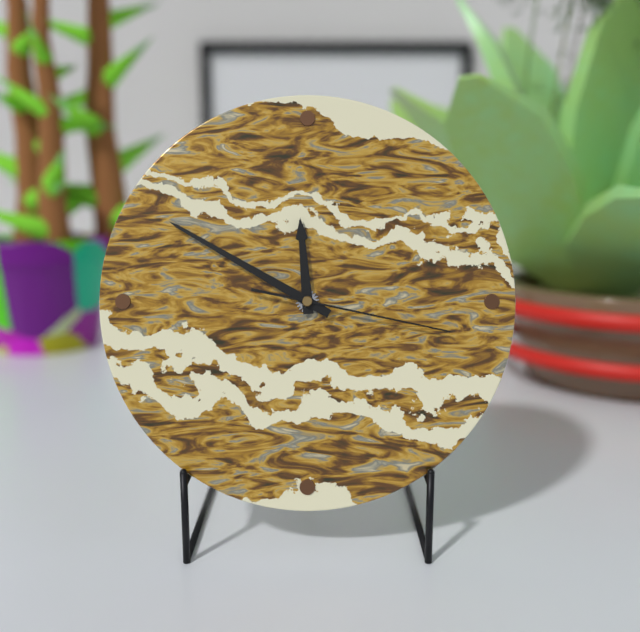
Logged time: 11 h 50 min 17 s
